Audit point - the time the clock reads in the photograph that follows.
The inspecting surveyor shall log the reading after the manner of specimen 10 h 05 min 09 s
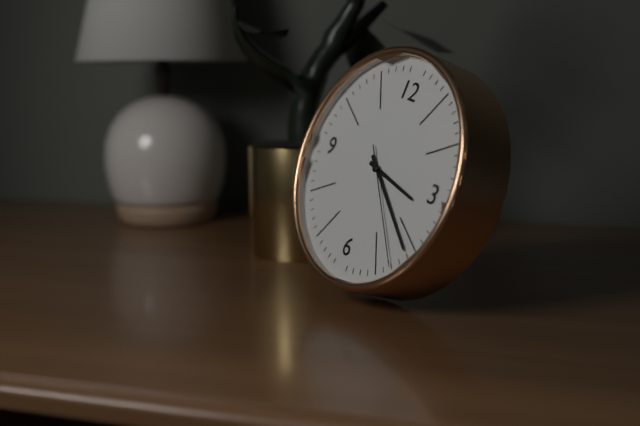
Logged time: 3 h 21 min 23 s
